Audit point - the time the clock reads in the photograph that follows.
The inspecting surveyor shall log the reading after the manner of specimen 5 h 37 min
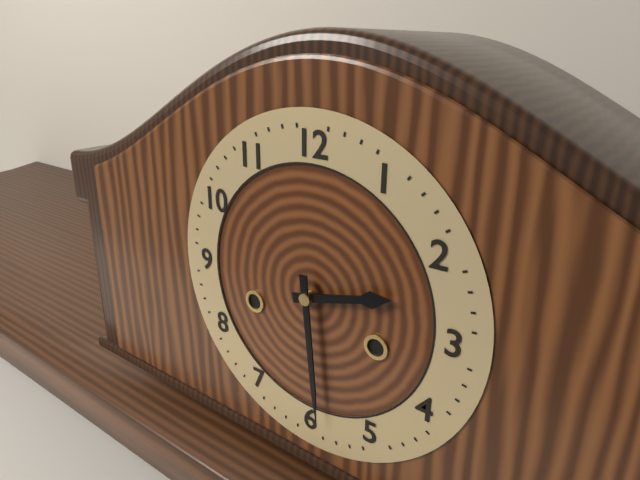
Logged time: 2 h 29 min
